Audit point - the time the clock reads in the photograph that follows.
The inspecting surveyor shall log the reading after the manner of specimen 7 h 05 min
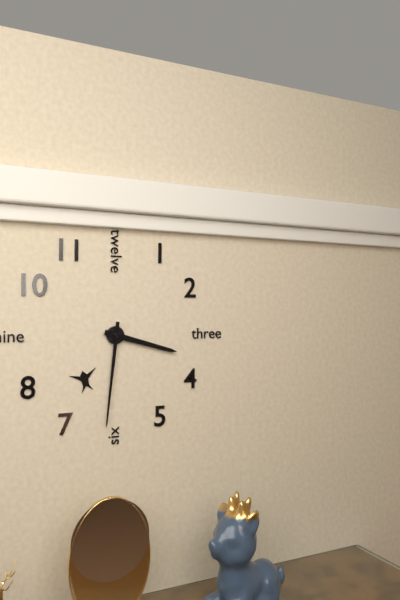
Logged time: 3 h 31 min
